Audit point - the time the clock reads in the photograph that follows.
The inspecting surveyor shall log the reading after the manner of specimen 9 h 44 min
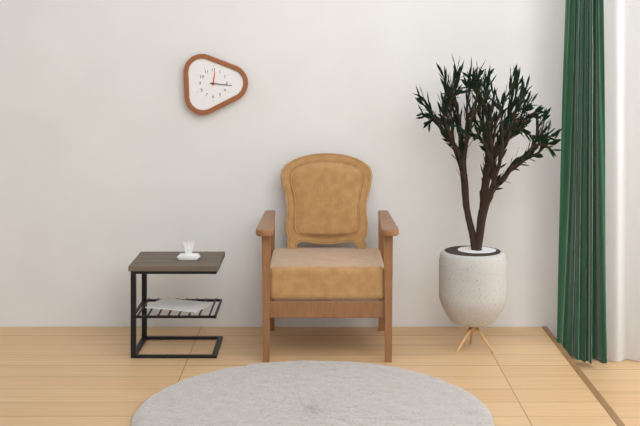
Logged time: 12 h 16 min
